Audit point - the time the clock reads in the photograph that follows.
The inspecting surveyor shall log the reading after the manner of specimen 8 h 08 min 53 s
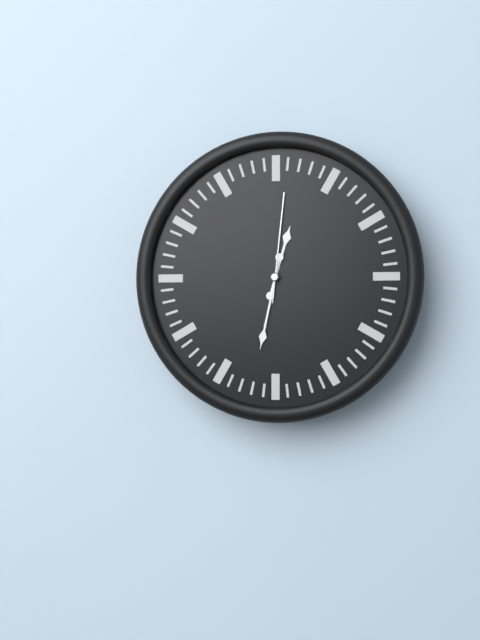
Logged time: 12 h 32 min 01 s
